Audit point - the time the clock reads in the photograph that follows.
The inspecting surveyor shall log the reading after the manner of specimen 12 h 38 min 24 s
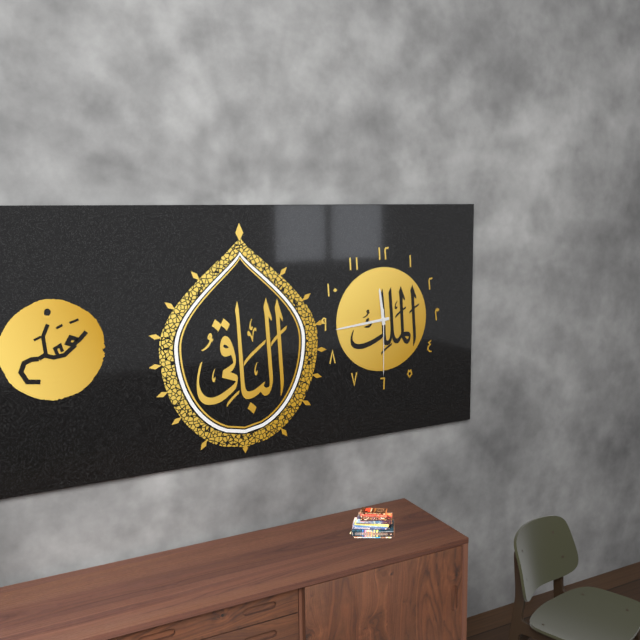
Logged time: 11 h 44 min 30 s
